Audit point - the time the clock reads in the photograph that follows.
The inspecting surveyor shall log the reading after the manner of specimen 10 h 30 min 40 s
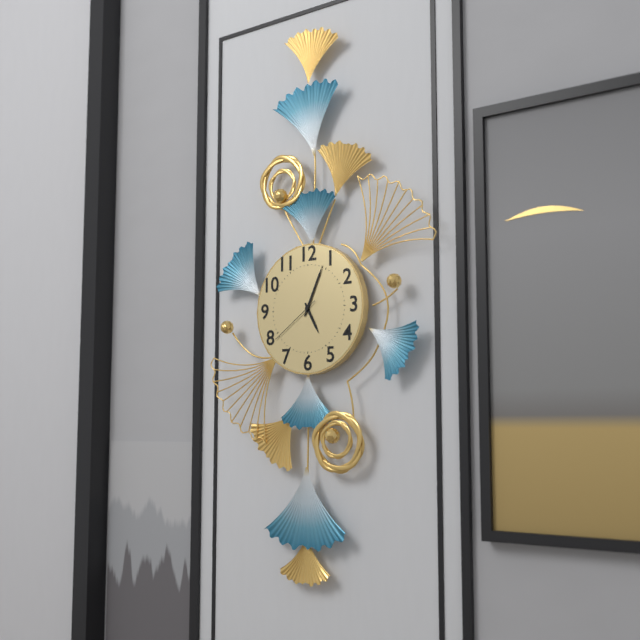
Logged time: 5 h 04 min 39 s
